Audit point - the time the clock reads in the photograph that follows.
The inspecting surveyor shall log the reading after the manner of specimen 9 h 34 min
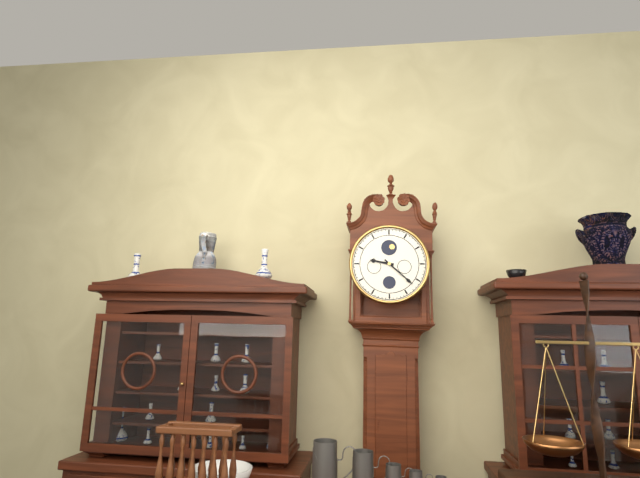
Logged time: 9 h 22 min
